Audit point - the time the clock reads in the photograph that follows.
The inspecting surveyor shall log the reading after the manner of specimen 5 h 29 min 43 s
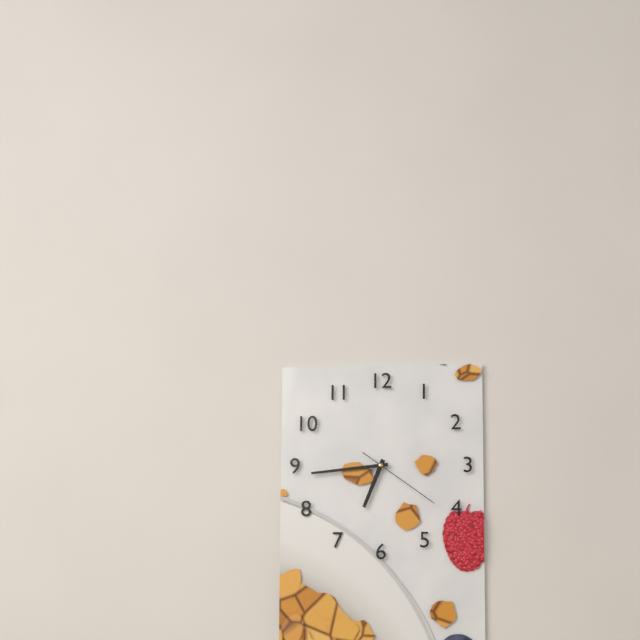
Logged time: 6 h 44 min 21 s
